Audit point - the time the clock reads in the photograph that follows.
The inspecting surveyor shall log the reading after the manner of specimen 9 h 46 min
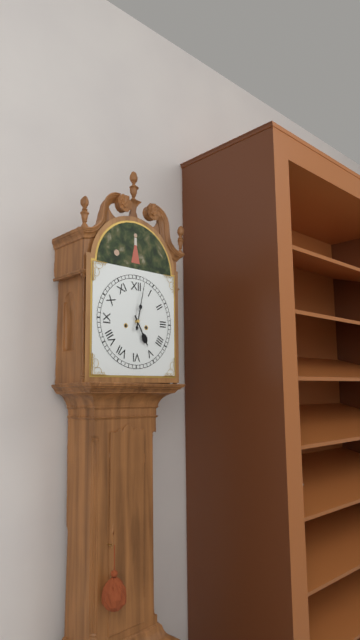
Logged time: 5 h 02 min
